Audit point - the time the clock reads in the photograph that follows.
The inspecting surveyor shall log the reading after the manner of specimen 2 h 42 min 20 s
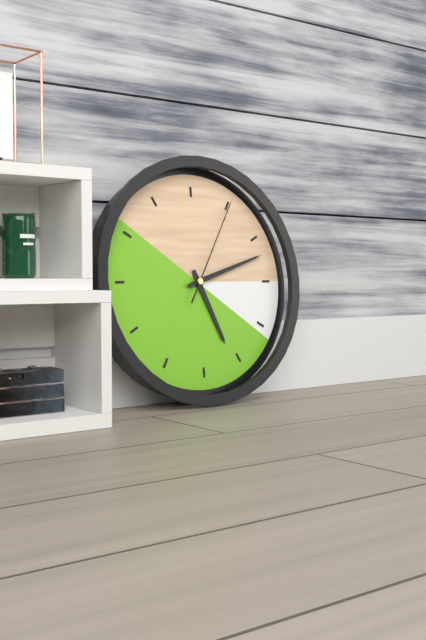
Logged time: 5 h 12 min 05 s
